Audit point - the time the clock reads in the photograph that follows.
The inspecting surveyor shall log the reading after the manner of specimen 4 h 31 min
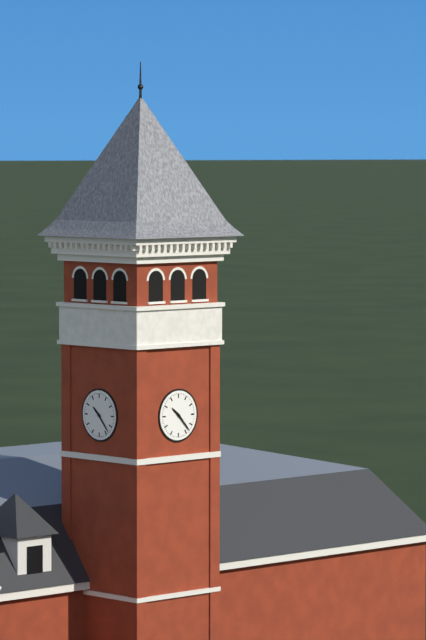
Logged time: 10 h 23 min
